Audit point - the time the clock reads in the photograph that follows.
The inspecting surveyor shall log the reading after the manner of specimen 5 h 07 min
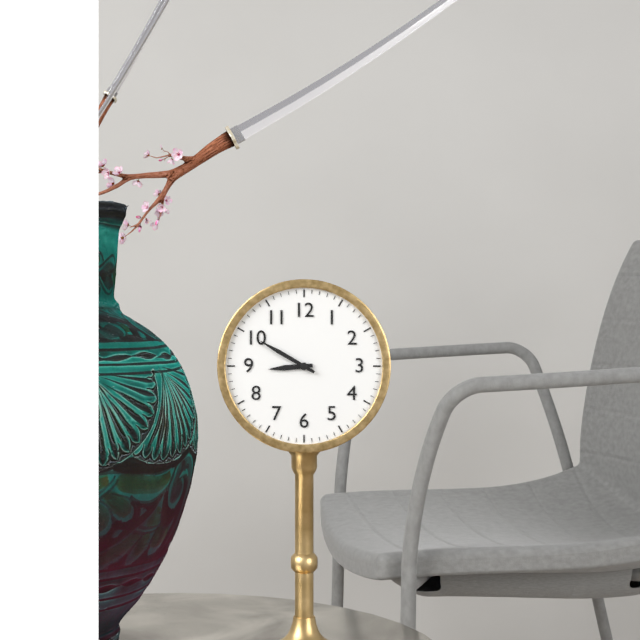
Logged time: 8 h 50 min
